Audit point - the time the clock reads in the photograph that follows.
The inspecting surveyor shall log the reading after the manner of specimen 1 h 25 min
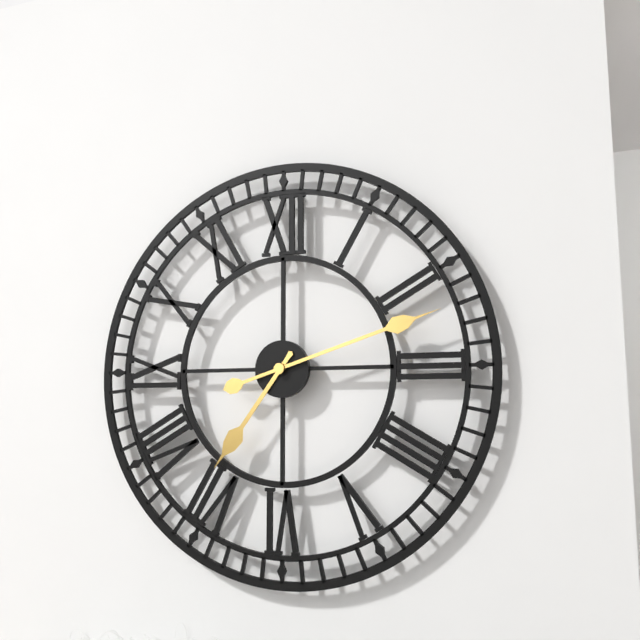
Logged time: 7 h 12 min
